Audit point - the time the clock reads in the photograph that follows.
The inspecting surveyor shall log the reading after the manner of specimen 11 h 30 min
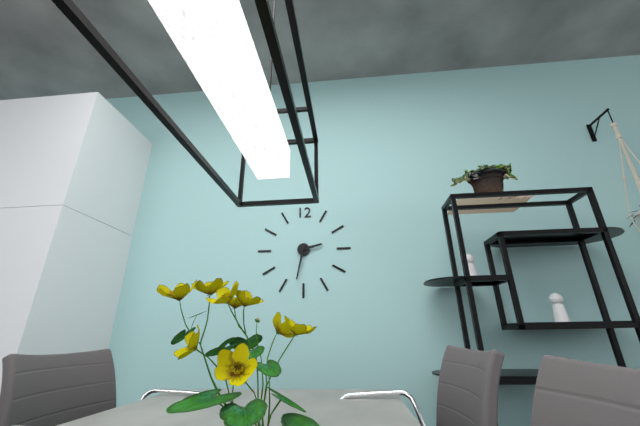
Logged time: 2 h 32 min
